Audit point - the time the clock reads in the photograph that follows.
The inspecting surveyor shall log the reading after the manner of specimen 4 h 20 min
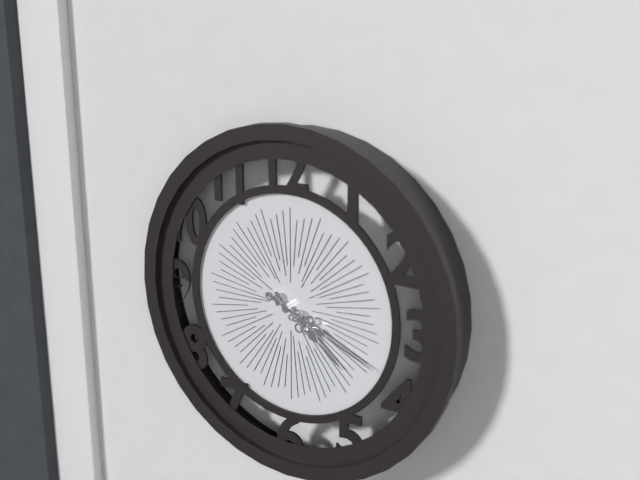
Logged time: 4 h 19 min
